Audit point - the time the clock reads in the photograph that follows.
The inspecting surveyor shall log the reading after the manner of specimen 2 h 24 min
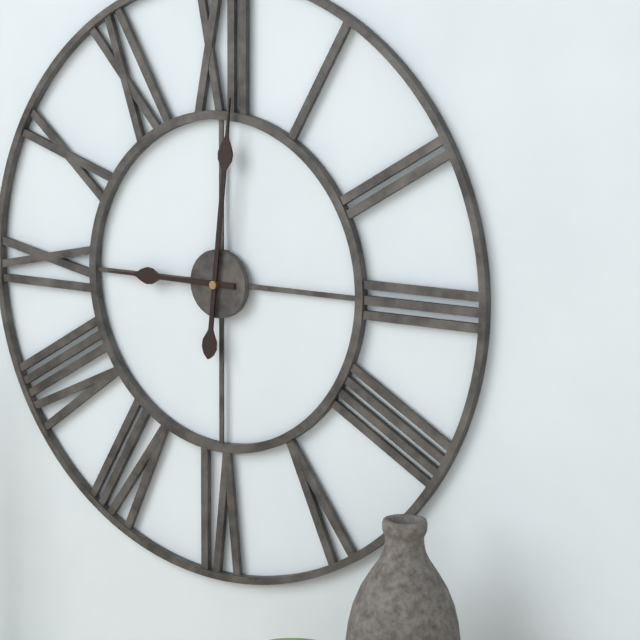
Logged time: 9 h 01 min
